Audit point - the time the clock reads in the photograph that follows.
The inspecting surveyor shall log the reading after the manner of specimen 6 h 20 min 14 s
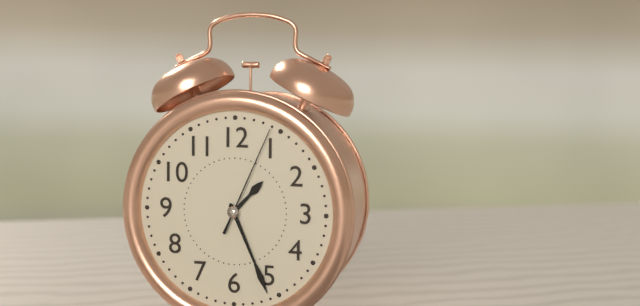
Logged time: 1 h 26 min 04 s
